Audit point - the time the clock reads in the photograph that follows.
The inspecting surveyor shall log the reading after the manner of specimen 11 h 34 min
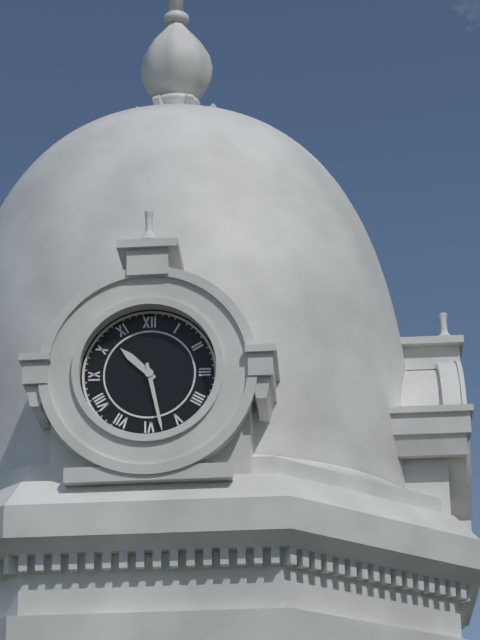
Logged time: 10 h 28 min
